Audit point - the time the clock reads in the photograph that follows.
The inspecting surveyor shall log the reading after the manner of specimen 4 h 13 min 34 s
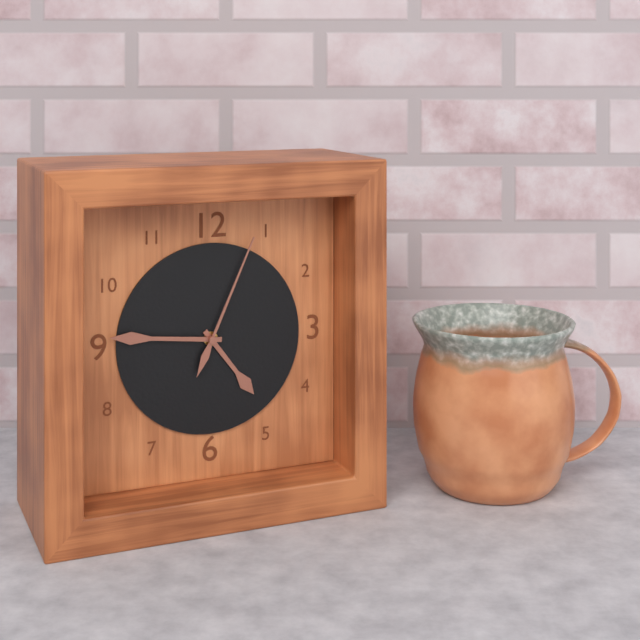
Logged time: 4 h 46 min 04 s
